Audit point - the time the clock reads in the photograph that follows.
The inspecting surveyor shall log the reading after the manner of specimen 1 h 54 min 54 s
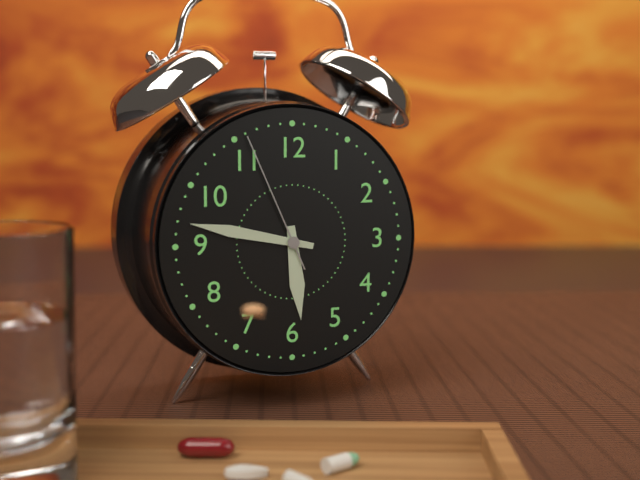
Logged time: 5 h 47 min 56 s
